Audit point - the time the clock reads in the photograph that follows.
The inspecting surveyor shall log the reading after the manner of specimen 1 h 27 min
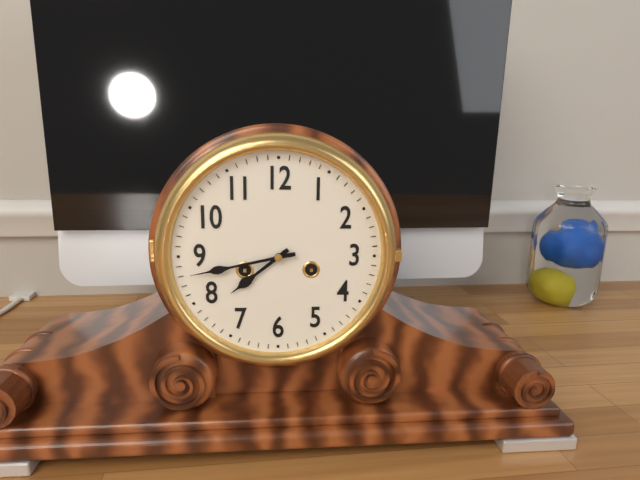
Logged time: 7 h 43 min
